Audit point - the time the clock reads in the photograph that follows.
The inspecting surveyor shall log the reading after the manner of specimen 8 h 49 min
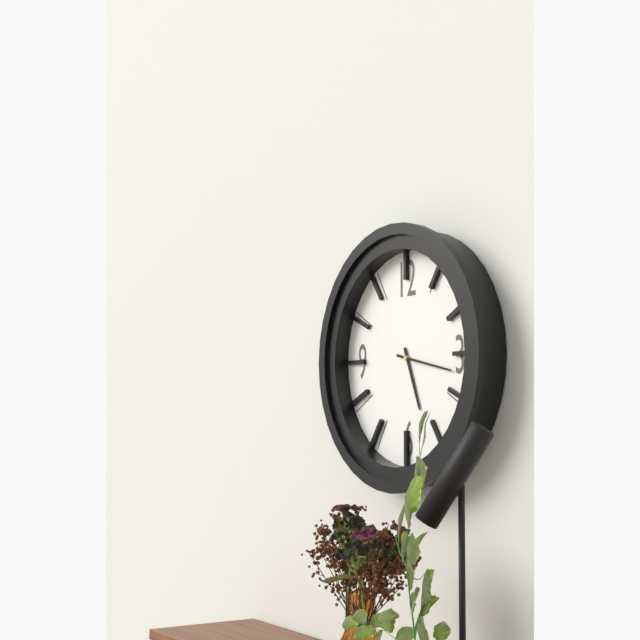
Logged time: 5 h 17 min
